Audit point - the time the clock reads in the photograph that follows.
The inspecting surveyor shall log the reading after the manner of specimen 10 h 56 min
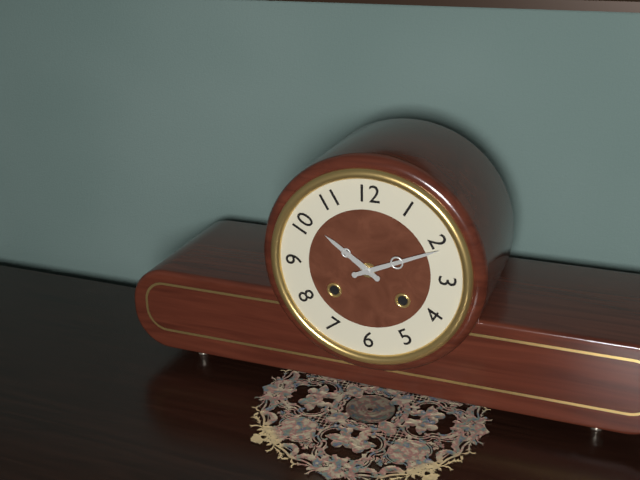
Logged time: 10 h 11 min
